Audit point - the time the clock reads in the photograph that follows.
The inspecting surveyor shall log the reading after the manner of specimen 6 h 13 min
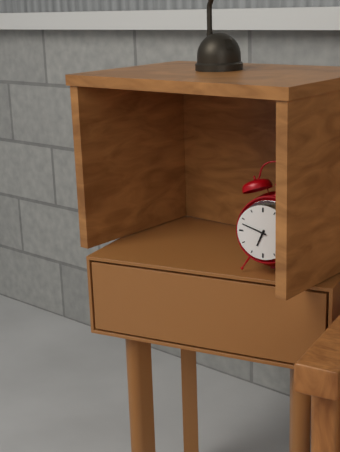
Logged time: 6 h 48 min
